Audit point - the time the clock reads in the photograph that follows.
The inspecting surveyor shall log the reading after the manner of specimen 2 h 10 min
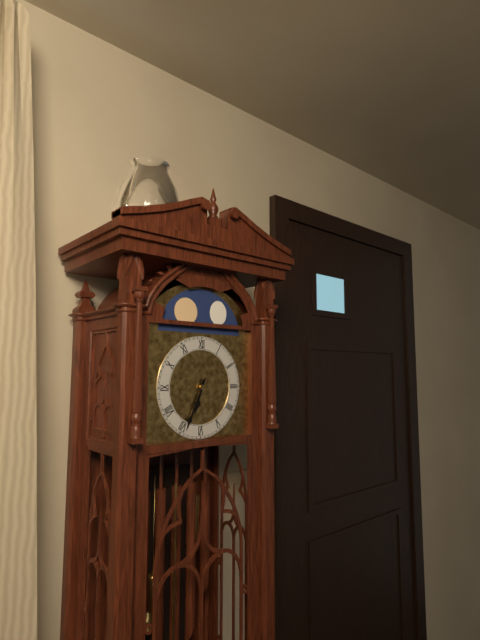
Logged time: 6 h 34 min
